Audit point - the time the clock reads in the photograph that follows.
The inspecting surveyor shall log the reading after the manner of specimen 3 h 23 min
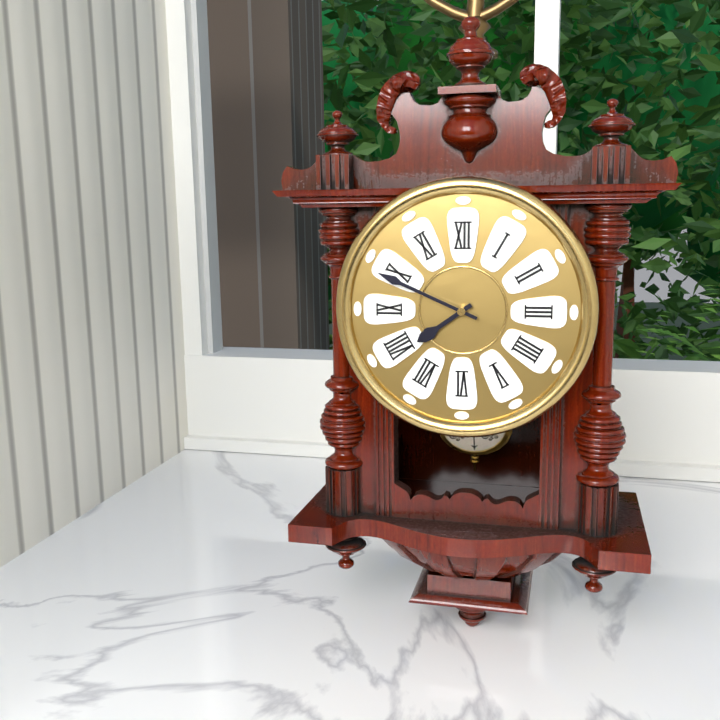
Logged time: 7 h 49 min
